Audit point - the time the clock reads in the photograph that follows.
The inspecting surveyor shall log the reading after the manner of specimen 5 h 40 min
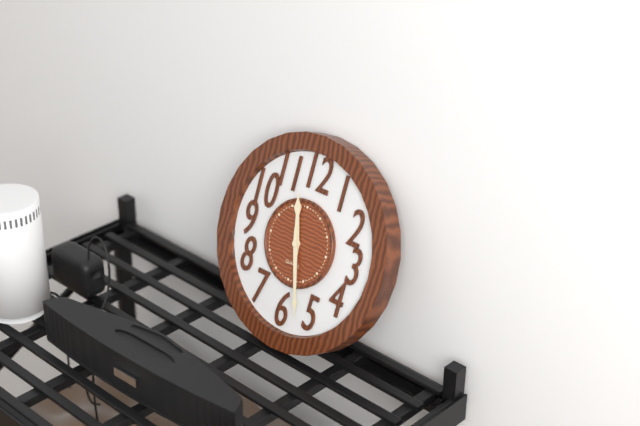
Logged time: 11 h 27 min
